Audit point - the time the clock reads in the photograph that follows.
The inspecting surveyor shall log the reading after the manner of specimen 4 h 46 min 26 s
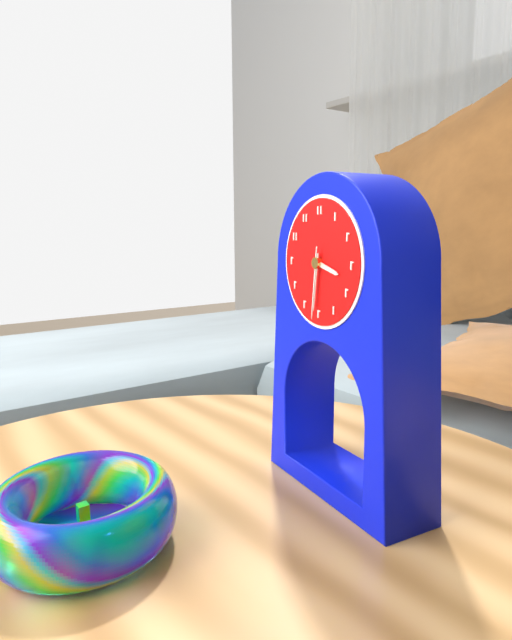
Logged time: 3 h 31 min 31 s
